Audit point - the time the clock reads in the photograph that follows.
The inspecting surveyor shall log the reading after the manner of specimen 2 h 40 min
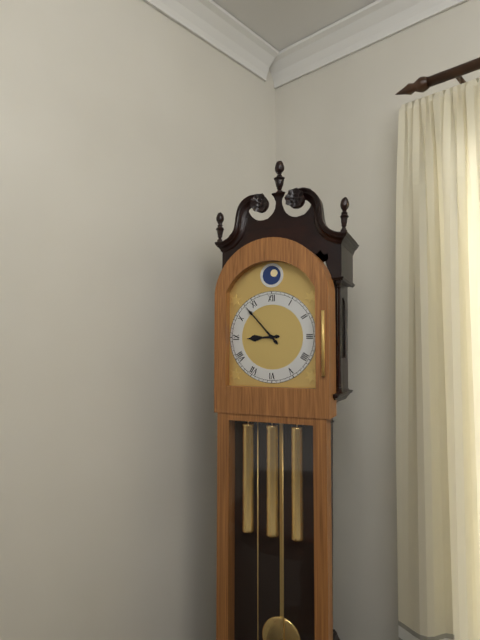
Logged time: 8 h 53 min
